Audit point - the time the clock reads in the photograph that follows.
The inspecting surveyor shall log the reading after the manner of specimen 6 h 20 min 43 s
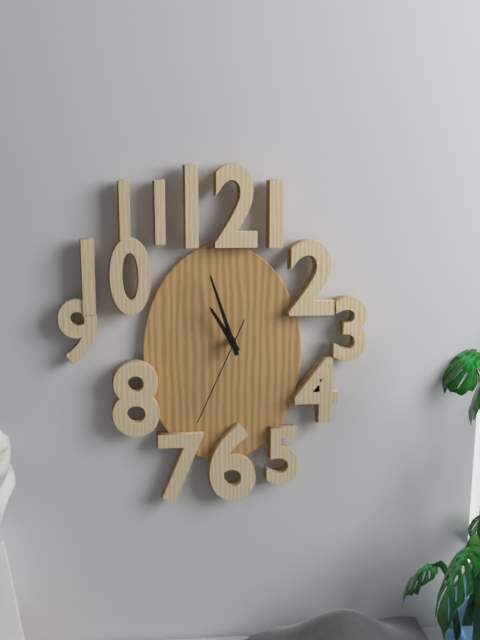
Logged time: 10 h 57 min 34 s
